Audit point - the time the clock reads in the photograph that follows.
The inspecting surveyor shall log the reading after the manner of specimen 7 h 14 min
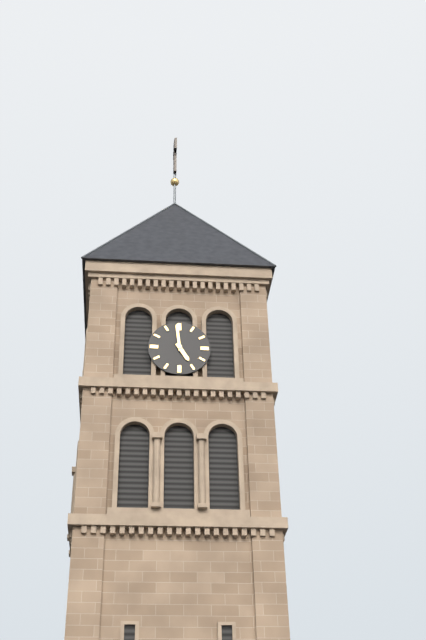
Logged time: 4 h 59 min
